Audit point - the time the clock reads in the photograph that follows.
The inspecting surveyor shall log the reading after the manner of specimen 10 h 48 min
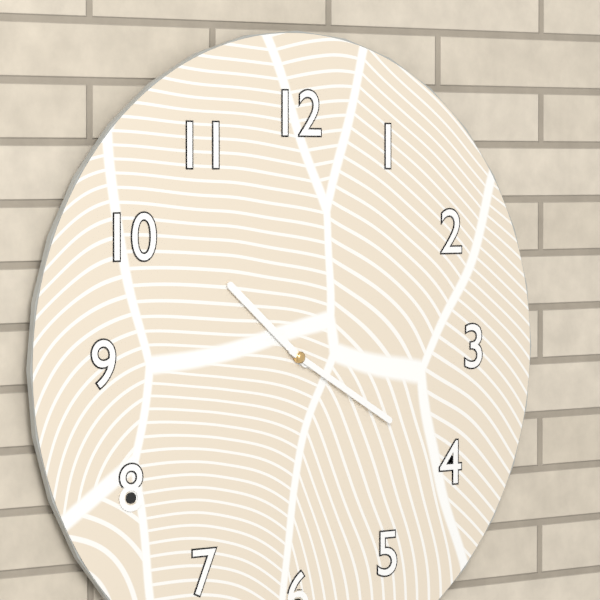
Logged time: 10 h 20 min
